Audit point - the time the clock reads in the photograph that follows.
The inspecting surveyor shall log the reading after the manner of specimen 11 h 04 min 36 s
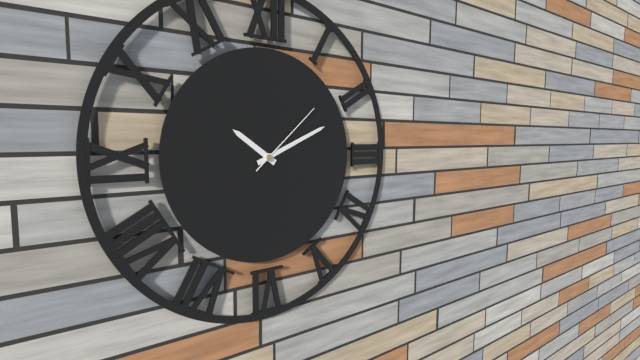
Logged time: 10 h 11 min 08 s
